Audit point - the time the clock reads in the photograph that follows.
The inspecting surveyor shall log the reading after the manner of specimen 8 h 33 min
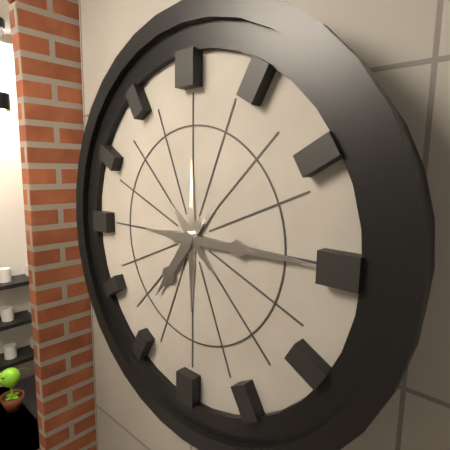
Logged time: 7 h 15 min
